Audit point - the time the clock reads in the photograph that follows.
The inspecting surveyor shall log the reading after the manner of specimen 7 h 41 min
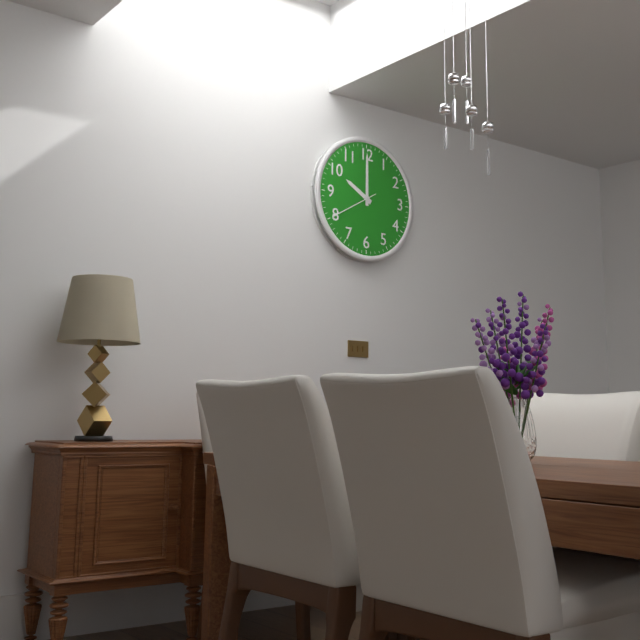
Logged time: 10 h 00 min
